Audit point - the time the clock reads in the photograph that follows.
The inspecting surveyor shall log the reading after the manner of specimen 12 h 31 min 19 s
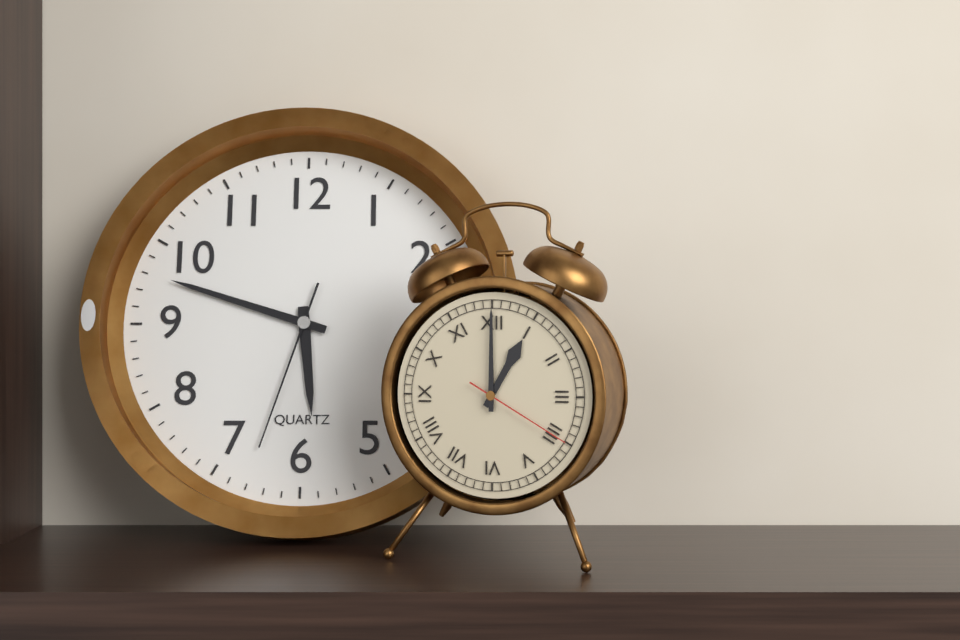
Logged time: 5 h 48 min 33 s
